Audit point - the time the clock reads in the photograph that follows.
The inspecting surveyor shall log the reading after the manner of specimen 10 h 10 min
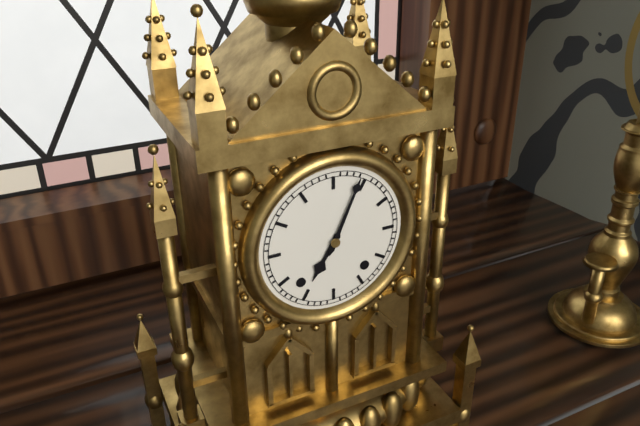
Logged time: 7 h 04 min
